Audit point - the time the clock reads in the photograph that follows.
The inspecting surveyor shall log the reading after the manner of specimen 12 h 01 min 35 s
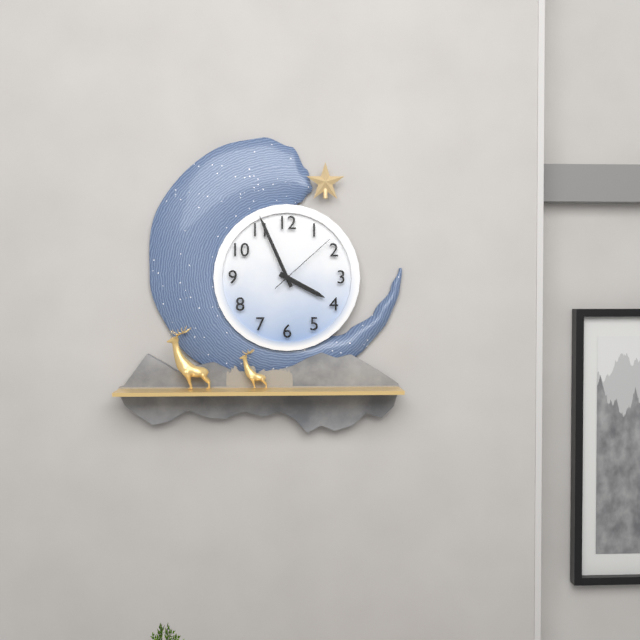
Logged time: 3 h 56 min 08 s
